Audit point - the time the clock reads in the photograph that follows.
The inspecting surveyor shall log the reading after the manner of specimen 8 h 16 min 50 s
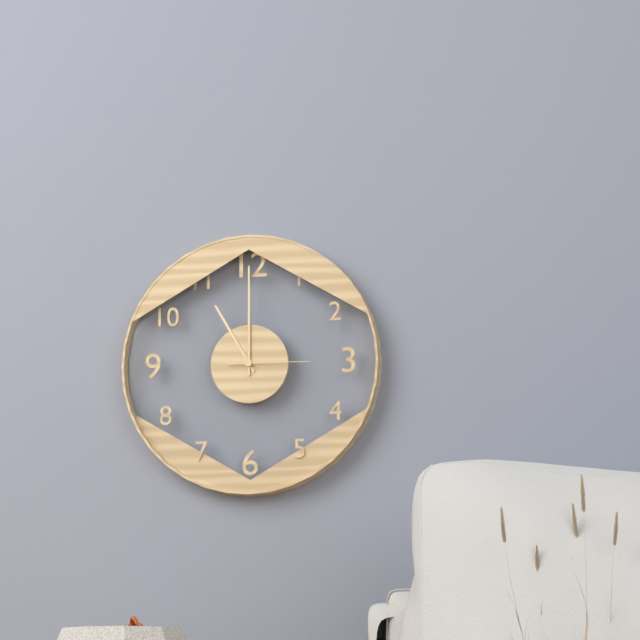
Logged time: 11 h 00 min 15 s
